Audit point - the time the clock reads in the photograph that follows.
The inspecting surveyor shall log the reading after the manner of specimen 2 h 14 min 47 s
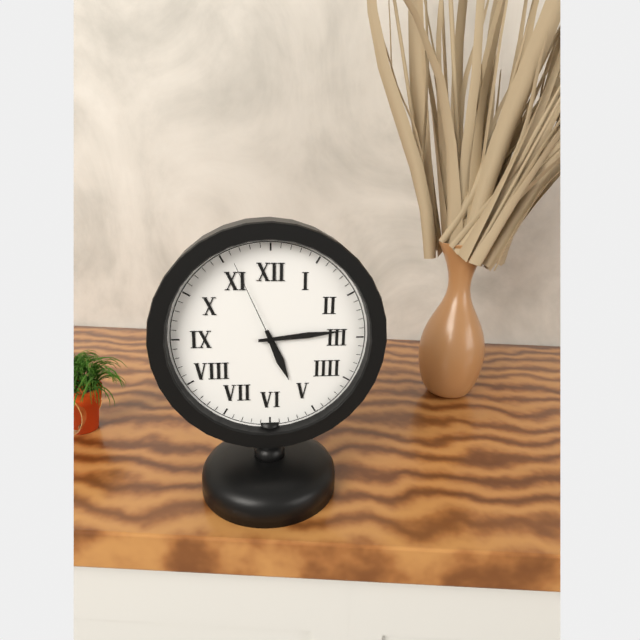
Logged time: 5 h 14 min 56 s
